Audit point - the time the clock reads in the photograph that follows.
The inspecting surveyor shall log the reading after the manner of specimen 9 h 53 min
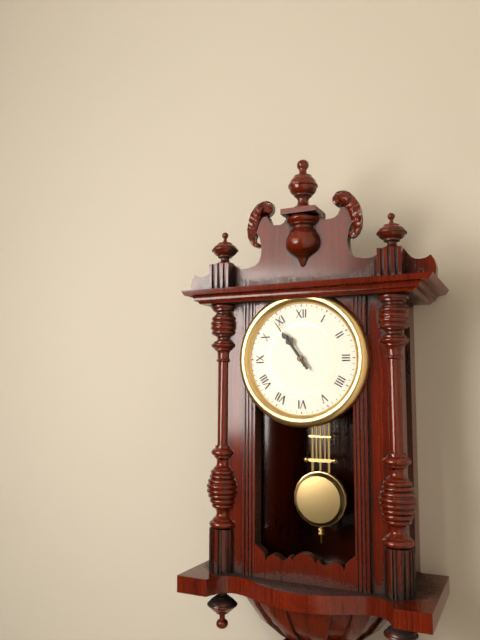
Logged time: 10 h 54 min
